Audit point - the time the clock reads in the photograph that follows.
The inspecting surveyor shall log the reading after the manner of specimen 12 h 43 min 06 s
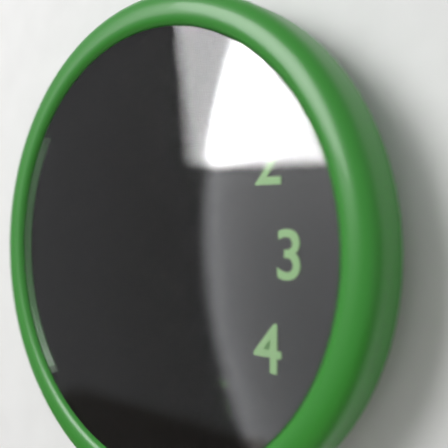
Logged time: 7 h 26 min 47 s
